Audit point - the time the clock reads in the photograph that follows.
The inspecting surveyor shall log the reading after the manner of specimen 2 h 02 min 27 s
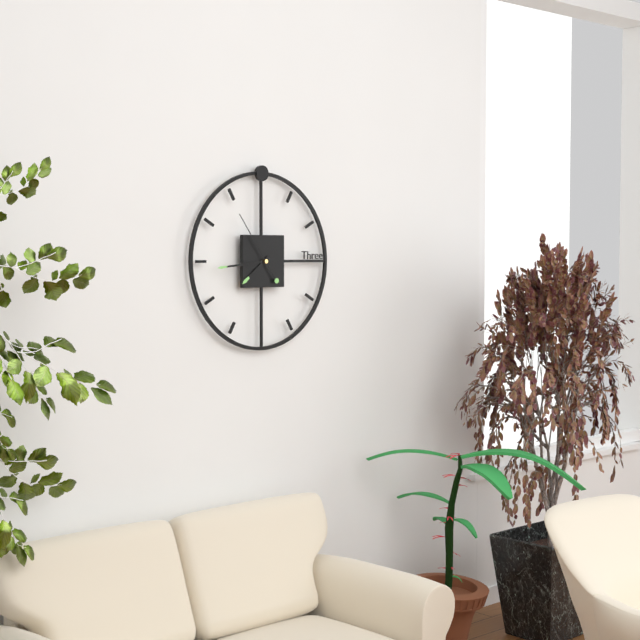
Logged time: 7 h 44 min 54 s
